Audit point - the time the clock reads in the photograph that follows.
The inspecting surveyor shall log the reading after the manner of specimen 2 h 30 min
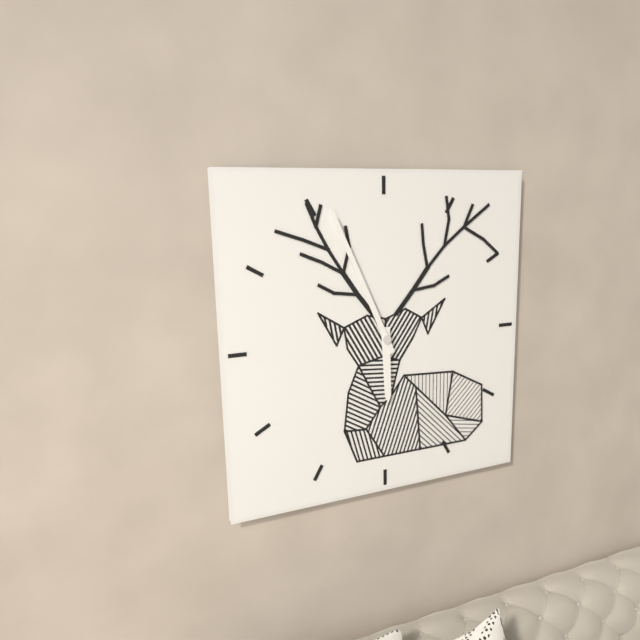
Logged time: 5 h 56 min
